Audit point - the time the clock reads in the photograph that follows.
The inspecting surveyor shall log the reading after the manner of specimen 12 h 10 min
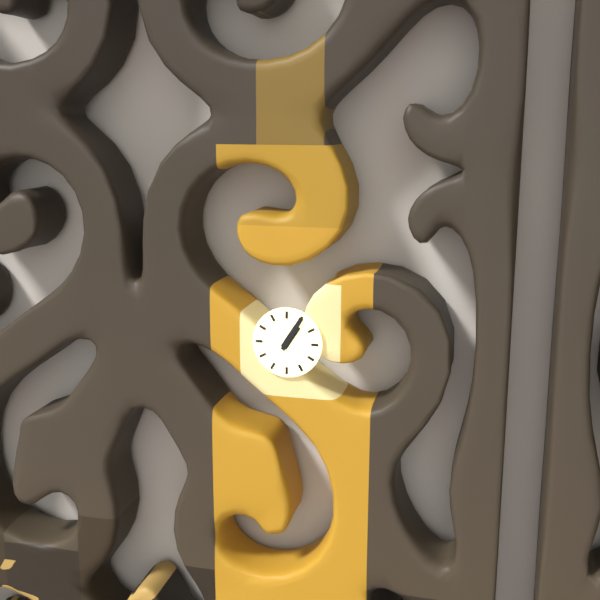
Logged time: 1 h 05 min
